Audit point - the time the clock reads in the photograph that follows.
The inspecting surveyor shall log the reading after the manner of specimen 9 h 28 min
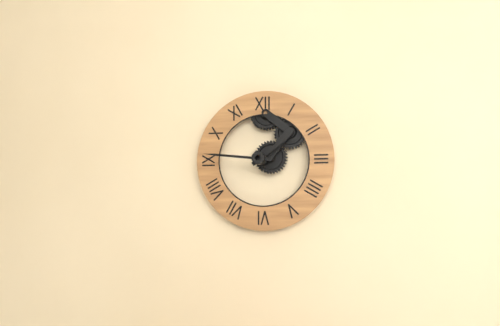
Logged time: 1 h 46 min
